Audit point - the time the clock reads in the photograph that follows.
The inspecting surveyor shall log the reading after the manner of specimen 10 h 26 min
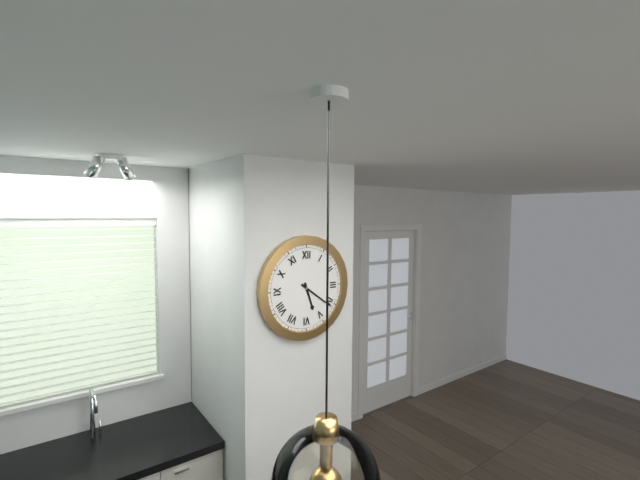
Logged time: 5 h 21 min
